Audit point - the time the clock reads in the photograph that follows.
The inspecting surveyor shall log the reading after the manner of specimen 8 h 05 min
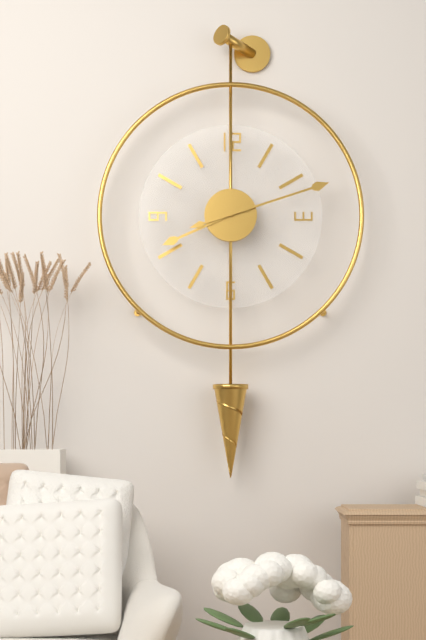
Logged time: 8 h 12 min
